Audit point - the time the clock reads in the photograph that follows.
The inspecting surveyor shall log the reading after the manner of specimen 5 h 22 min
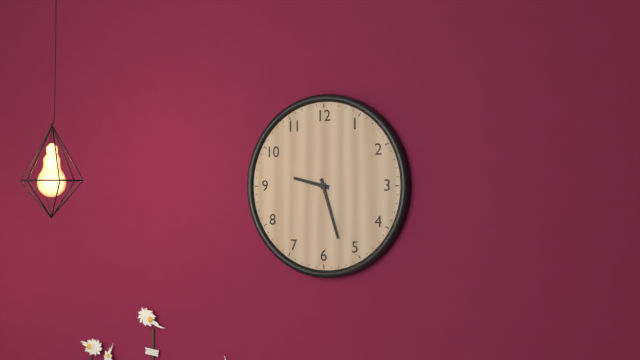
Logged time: 9 h 27 min
